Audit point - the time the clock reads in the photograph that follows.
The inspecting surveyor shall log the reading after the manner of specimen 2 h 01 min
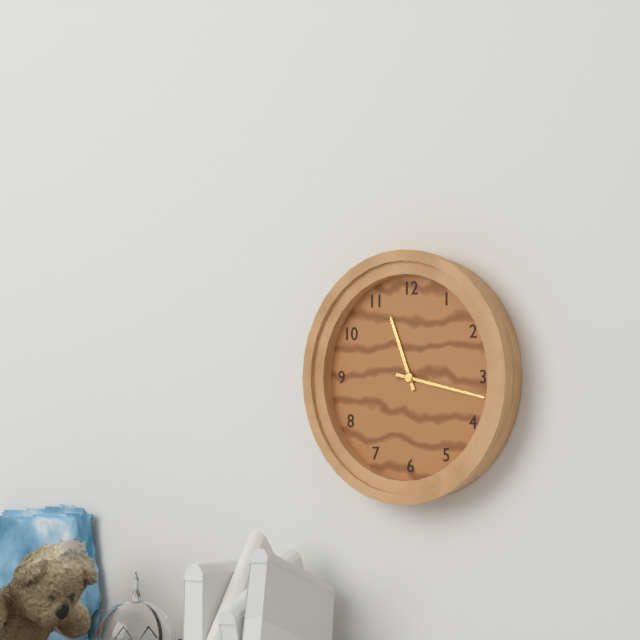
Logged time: 11 h 17 min
